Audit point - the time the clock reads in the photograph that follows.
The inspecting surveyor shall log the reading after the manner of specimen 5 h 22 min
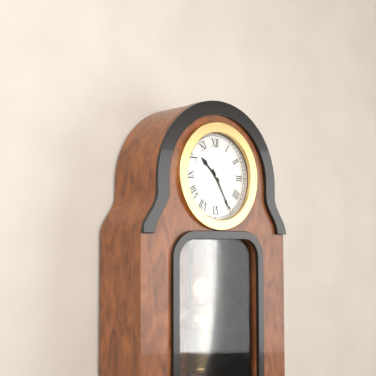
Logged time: 10 h 25 min
